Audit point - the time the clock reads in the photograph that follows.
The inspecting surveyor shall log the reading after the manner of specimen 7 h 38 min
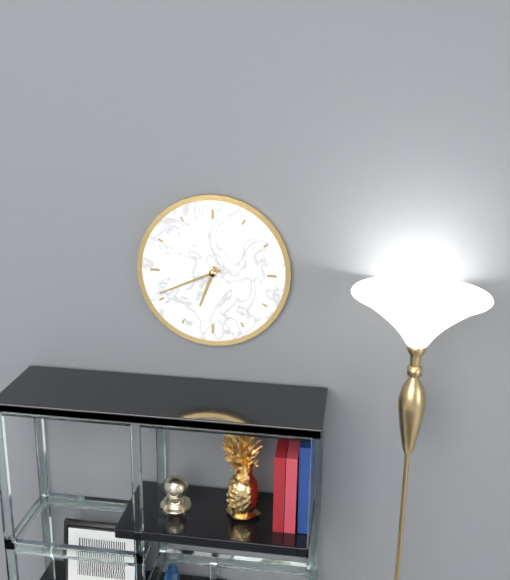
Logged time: 6 h 41 min
